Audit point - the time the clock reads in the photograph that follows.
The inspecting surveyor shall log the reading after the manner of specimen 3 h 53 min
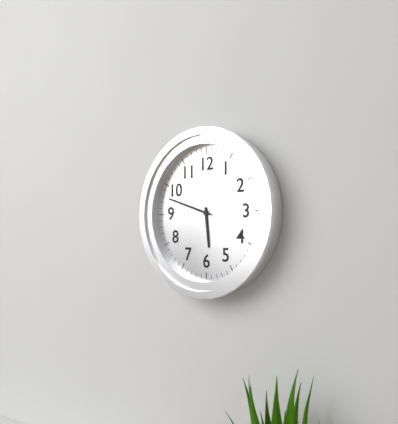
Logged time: 5 h 48 min
